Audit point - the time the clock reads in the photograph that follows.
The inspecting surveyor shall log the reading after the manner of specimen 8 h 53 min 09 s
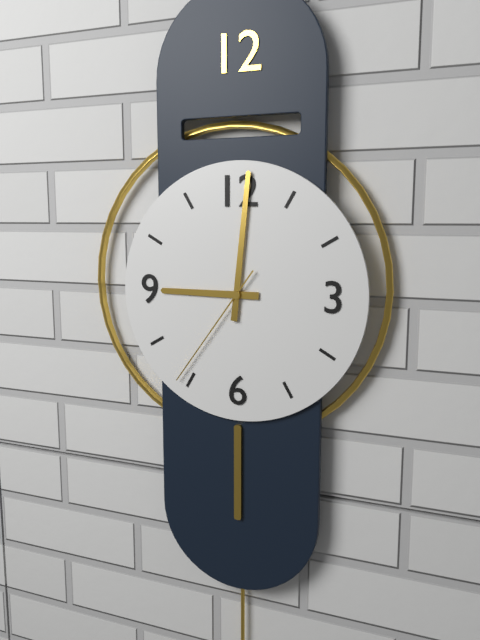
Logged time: 9 h 01 min 36 s
